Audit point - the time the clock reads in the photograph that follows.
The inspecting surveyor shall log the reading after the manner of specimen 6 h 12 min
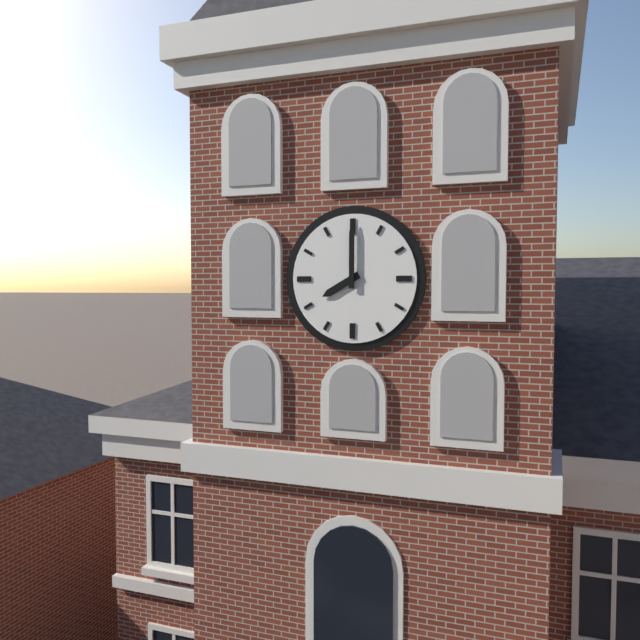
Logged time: 8 h 00 min
